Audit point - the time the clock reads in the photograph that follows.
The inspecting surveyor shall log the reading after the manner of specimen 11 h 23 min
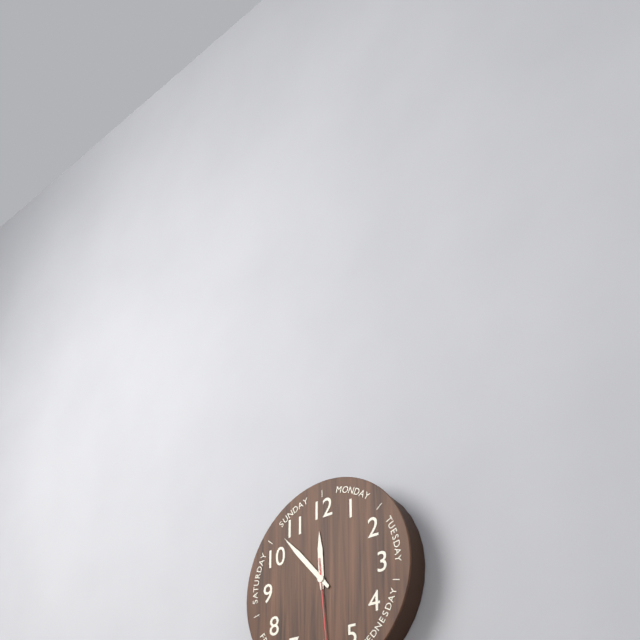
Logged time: 11 h 53 min
